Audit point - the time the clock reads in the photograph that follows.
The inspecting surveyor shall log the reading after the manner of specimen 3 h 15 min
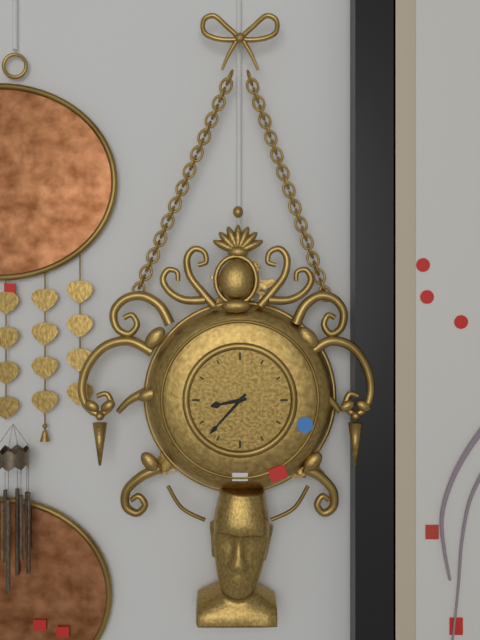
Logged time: 8 h 37 min
